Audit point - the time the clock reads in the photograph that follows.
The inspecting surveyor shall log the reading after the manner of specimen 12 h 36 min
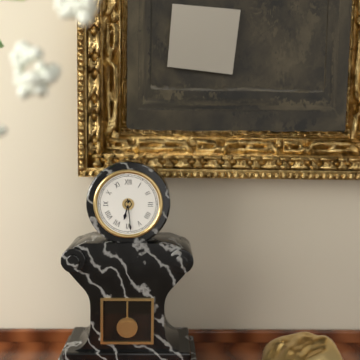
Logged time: 6 h 29 min
